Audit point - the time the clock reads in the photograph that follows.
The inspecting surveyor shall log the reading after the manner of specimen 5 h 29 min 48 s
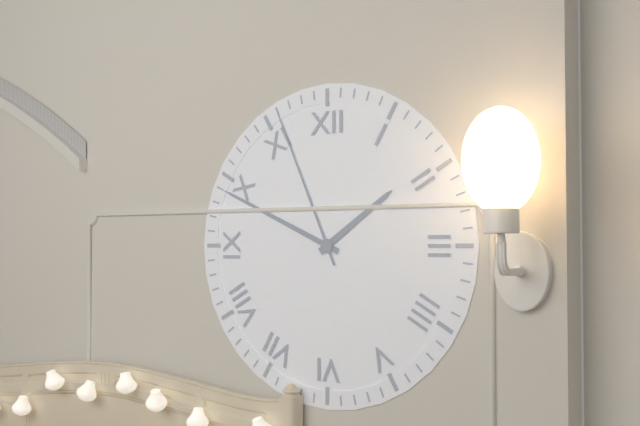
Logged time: 1 h 49 min 56 s
